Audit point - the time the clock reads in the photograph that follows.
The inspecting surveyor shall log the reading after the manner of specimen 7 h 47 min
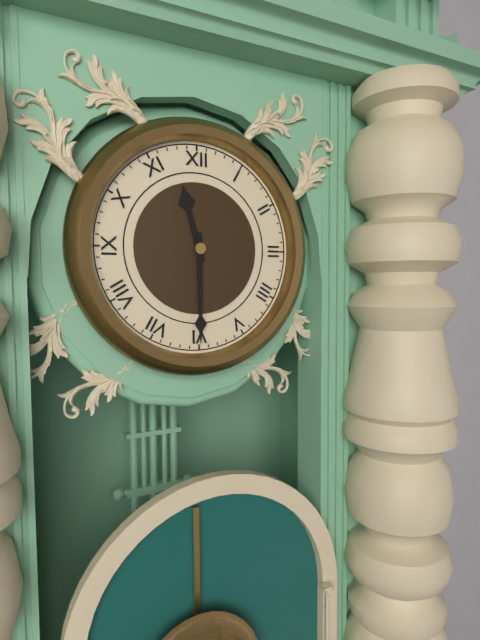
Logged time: 11 h 30 min
